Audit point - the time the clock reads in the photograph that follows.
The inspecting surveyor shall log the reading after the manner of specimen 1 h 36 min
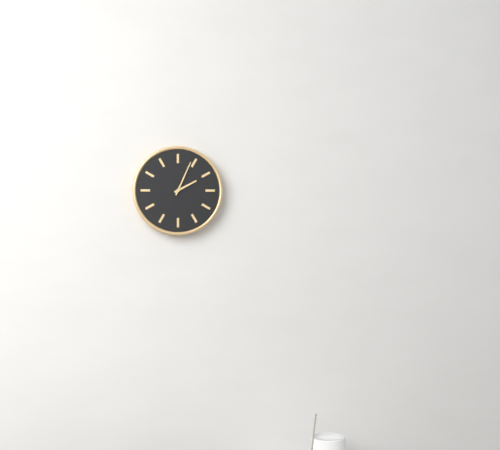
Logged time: 2 h 04 min
